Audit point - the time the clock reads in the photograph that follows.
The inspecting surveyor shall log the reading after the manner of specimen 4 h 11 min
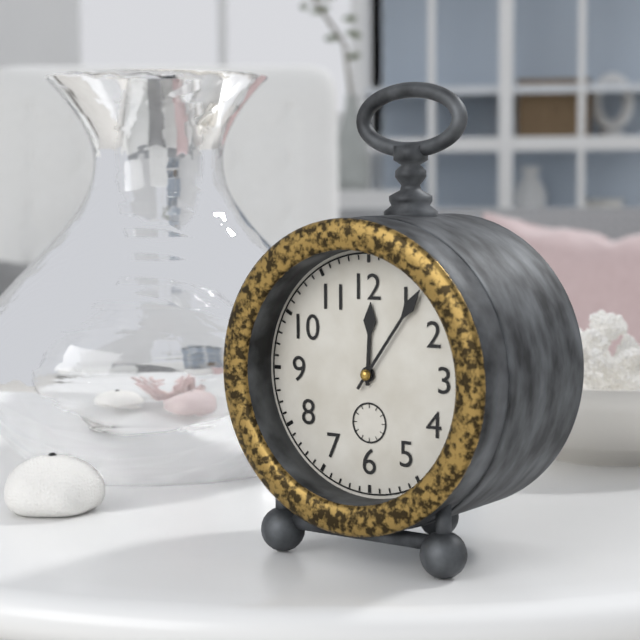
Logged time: 12 h 06 min
